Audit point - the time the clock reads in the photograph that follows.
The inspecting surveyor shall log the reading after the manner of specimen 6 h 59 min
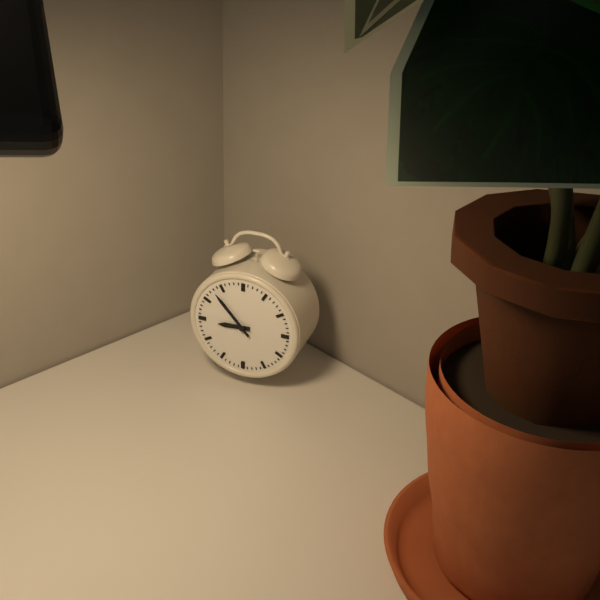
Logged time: 8 h 53 min
